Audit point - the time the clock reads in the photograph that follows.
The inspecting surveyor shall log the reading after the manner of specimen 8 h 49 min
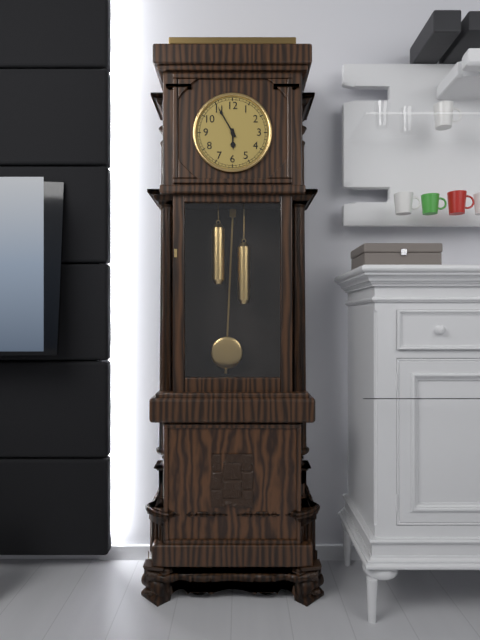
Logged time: 5 h 55 min
